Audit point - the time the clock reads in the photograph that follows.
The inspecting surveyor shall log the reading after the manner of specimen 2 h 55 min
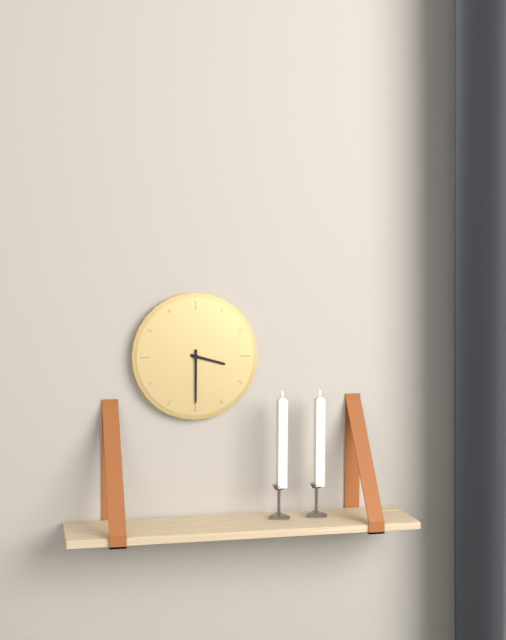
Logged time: 3 h 30 min
